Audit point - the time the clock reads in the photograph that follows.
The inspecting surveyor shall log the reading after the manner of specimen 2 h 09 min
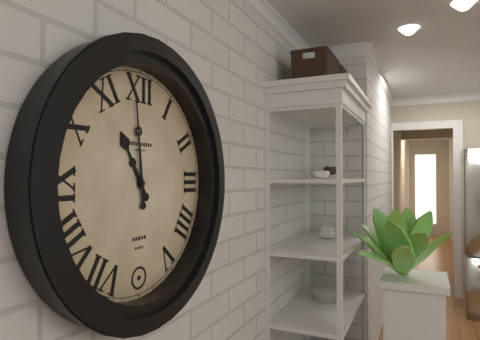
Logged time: 10 h 59 min
